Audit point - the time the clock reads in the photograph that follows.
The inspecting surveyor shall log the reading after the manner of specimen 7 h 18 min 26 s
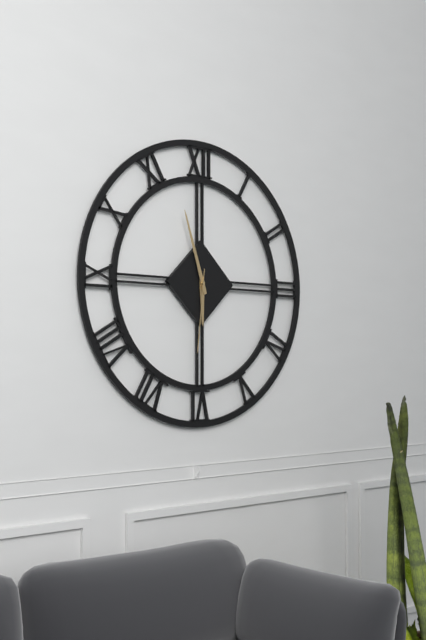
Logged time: 5 h 57 min 31 s
